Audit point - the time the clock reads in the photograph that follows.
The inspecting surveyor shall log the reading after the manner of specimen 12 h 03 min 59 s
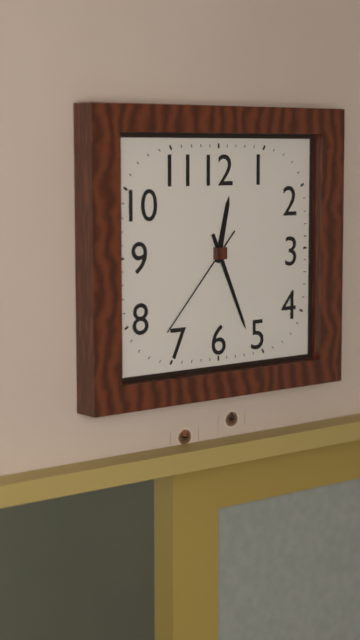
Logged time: 12 h 26 min 37 s
